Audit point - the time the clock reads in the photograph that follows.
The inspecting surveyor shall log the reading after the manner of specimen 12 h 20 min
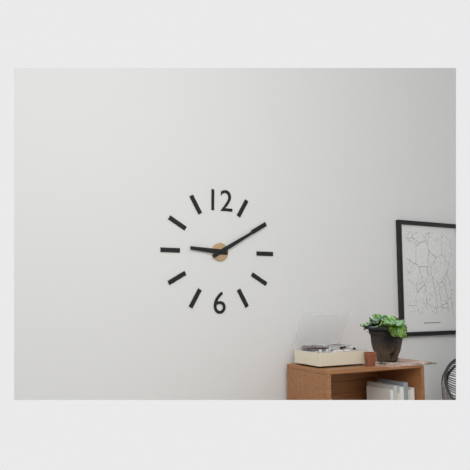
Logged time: 9 h 10 min
